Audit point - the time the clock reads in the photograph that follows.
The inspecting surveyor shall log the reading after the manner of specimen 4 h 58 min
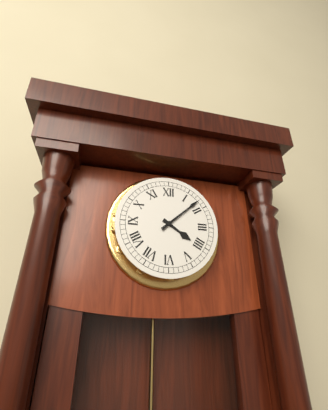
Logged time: 4 h 08 min
